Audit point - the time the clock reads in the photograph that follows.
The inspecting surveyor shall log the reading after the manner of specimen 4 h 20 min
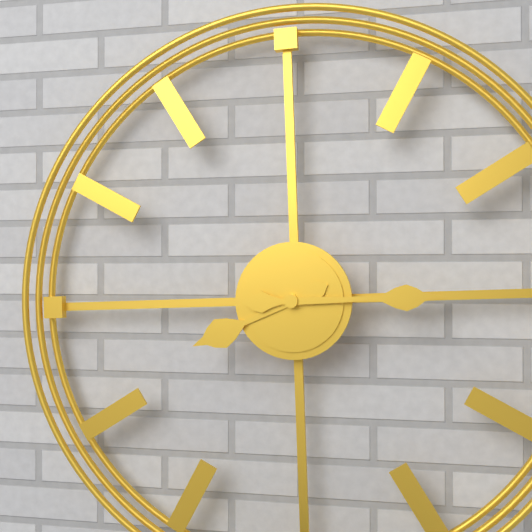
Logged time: 8 h 15 min
